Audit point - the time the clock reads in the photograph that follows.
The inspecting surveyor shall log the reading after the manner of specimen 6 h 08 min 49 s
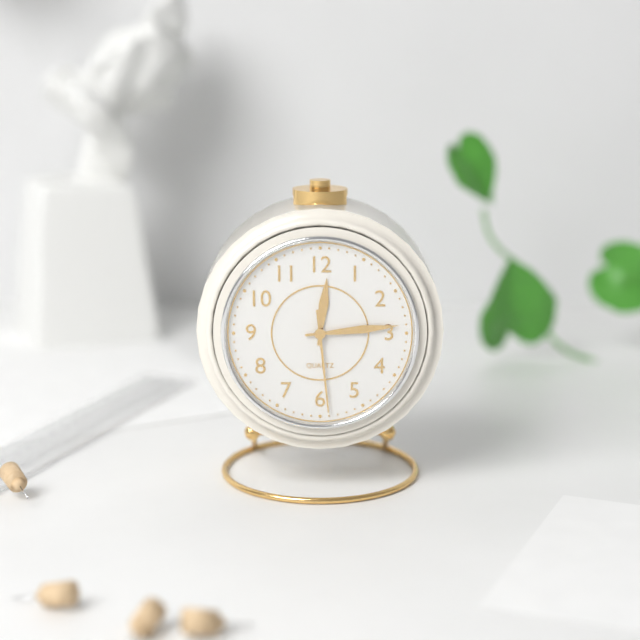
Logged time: 12 h 14 min 29 s
